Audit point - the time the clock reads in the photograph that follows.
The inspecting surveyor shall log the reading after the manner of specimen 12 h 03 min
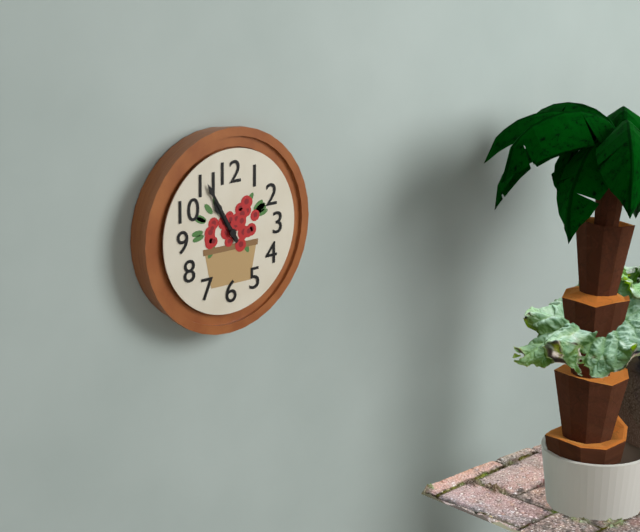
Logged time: 10 h 55 min
